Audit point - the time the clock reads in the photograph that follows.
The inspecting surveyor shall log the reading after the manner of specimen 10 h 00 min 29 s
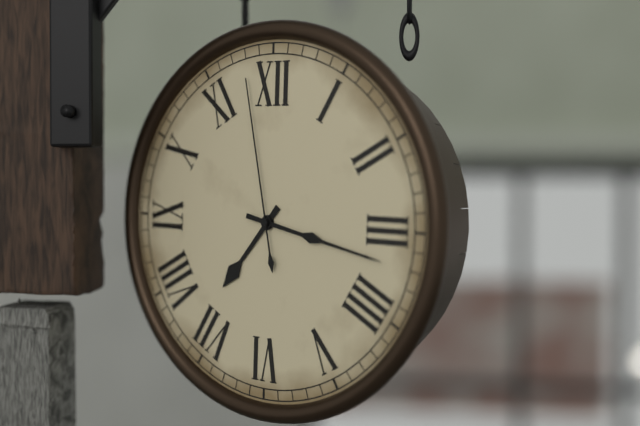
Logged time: 7 h 17 min 58 s
